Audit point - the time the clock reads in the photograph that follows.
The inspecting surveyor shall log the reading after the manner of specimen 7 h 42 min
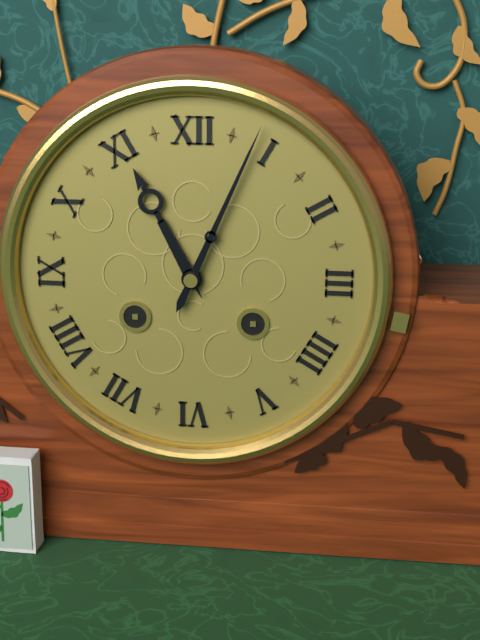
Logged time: 11 h 04 min
